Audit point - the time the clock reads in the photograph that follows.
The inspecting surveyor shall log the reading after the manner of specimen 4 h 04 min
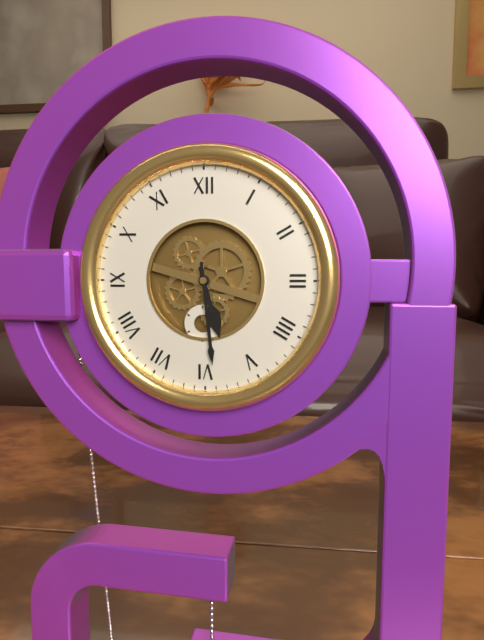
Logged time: 5 h 29 min
